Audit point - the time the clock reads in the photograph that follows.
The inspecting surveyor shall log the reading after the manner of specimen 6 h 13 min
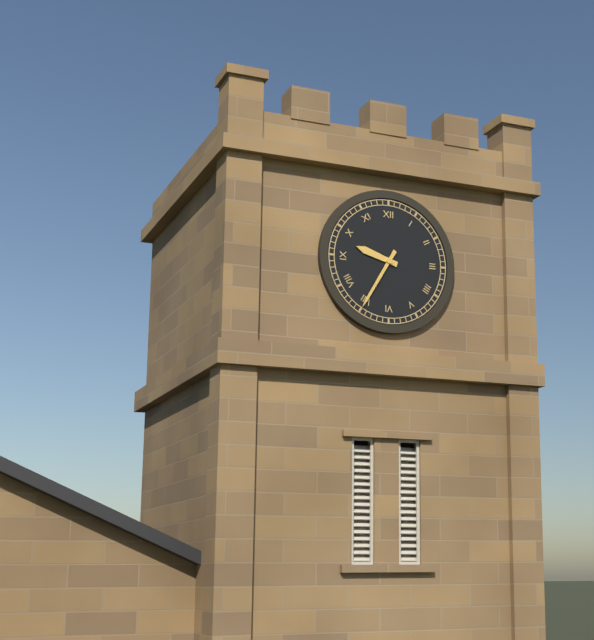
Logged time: 9 h 35 min
